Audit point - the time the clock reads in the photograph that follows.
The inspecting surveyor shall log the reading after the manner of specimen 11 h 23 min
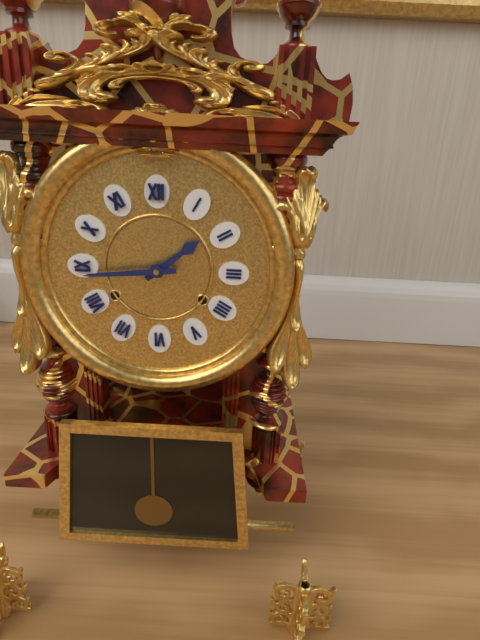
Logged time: 1 h 44 min
